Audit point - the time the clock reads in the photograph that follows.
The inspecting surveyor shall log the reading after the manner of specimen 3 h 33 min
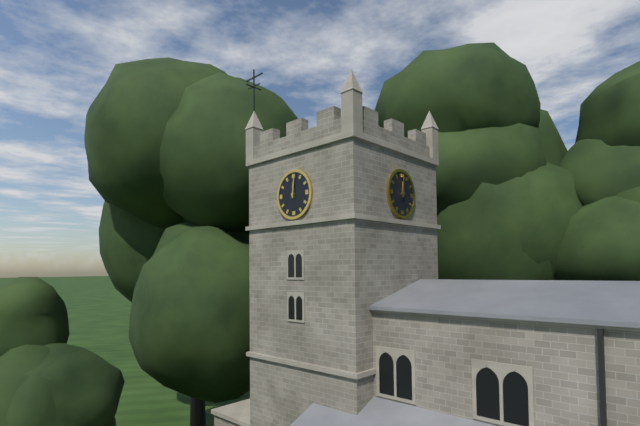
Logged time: 12 h 01 min
